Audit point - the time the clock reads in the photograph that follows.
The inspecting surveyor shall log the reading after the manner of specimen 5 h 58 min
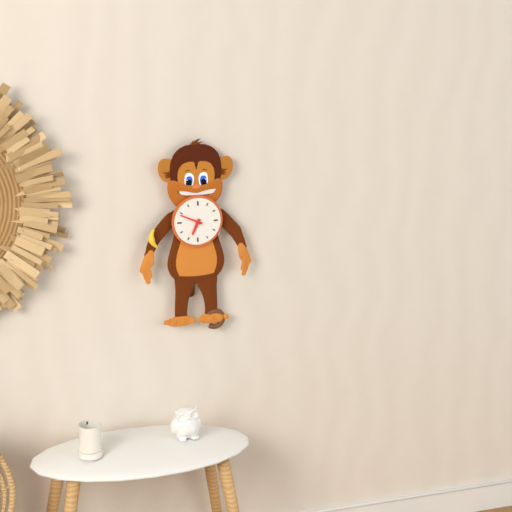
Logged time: 6 h 49 min
